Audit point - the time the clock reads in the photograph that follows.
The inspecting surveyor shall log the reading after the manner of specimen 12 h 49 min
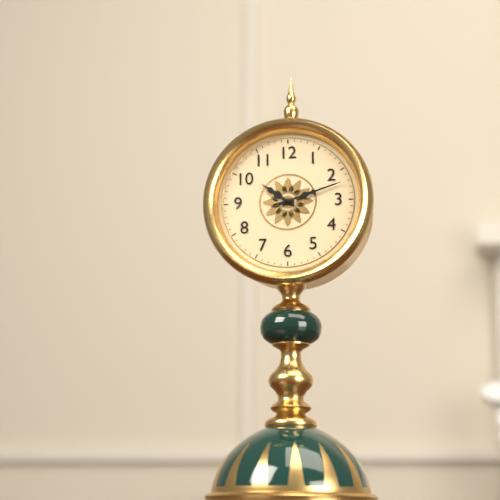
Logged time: 10 h 12 min
